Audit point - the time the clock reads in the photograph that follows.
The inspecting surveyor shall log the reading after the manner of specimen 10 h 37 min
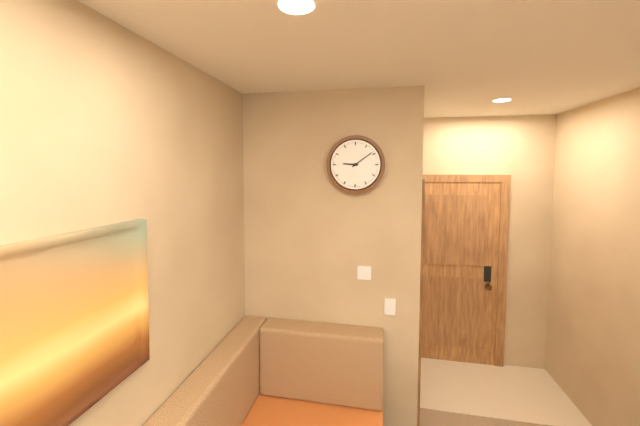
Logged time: 9 h 09 min
